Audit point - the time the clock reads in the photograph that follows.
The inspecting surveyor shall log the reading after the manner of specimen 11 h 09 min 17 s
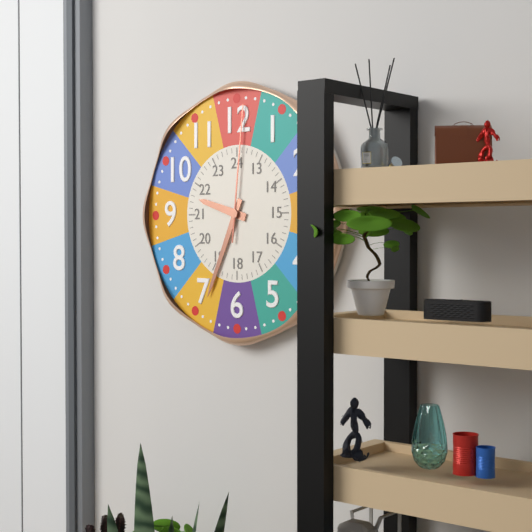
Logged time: 9 h 34 min 01 s
